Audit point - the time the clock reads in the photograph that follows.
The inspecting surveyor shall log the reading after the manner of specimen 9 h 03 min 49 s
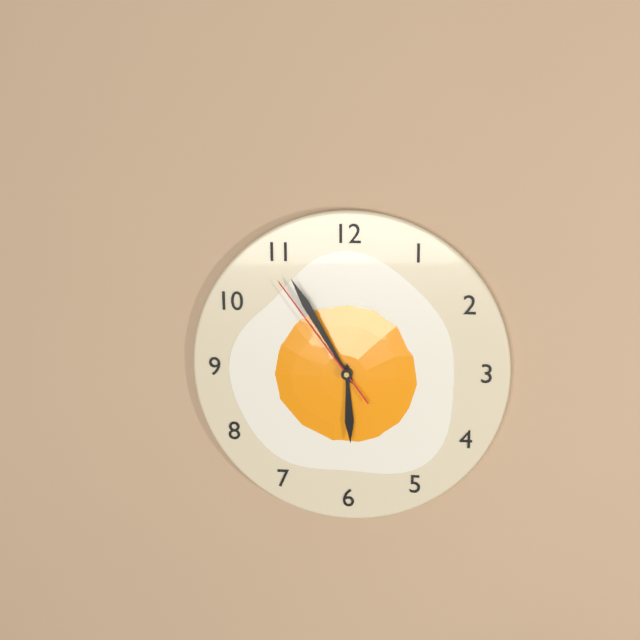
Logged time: 5 h 55 min 54 s
